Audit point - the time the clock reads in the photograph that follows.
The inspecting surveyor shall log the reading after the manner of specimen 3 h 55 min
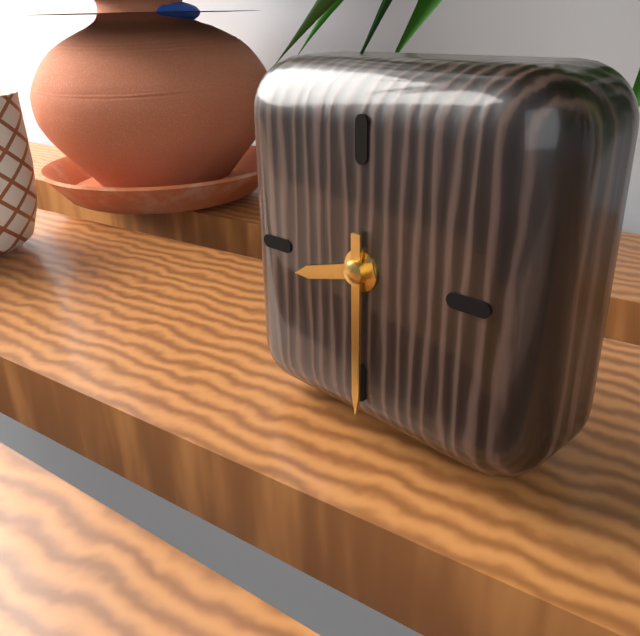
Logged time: 8 h 30 min
